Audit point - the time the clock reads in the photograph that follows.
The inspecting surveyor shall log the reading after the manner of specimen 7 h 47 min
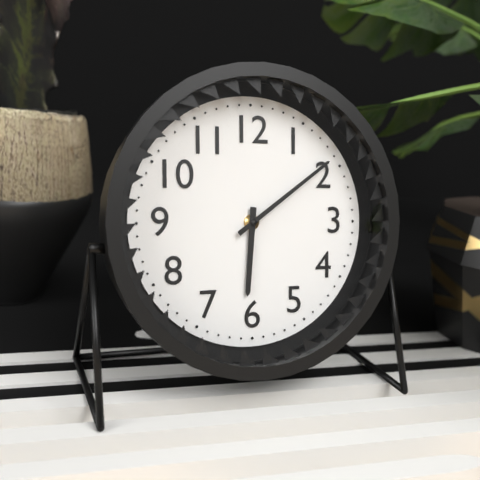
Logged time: 6 h 09 min
